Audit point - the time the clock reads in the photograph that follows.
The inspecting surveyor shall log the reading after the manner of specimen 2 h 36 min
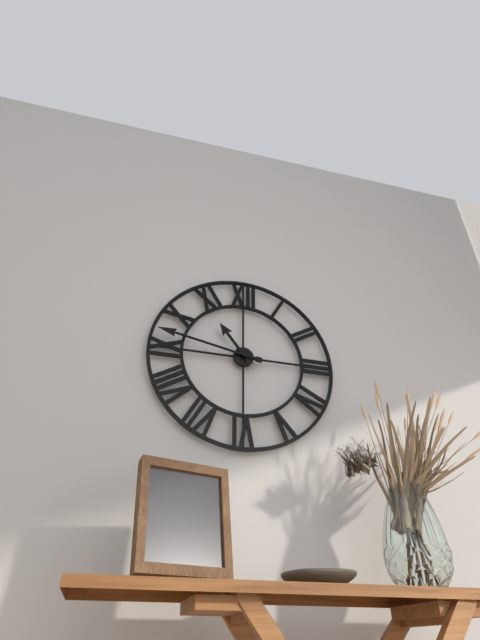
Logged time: 10 h 47 min
